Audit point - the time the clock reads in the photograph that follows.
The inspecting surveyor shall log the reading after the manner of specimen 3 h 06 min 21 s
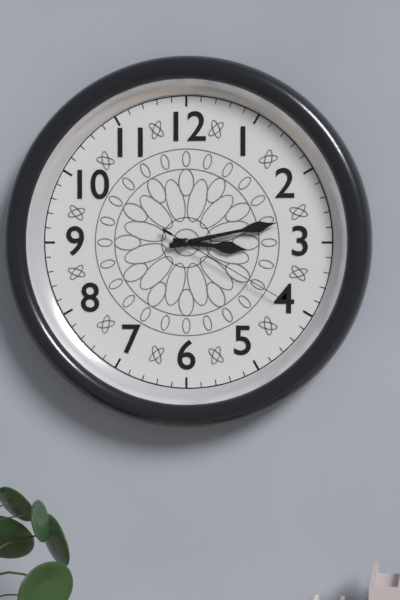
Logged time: 3 h 13 min 20 s
